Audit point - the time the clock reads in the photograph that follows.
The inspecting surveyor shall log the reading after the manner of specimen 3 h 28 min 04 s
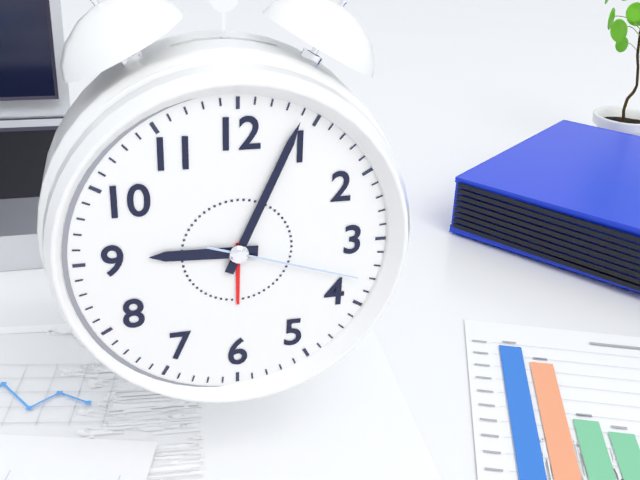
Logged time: 9 h 04 min 18 s
